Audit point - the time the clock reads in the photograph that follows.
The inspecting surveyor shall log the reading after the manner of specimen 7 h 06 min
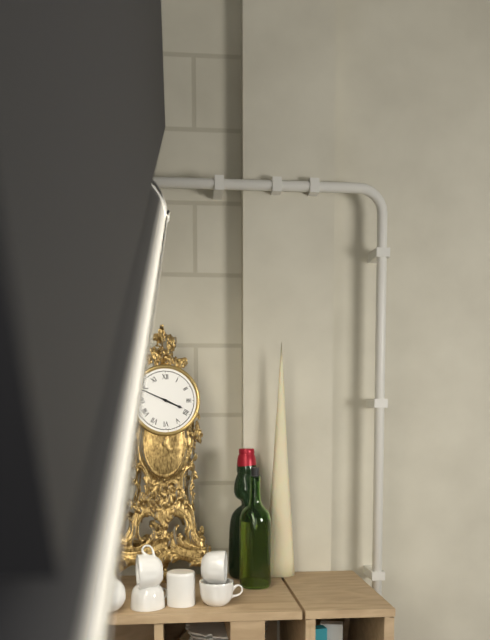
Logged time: 3 h 49 min
